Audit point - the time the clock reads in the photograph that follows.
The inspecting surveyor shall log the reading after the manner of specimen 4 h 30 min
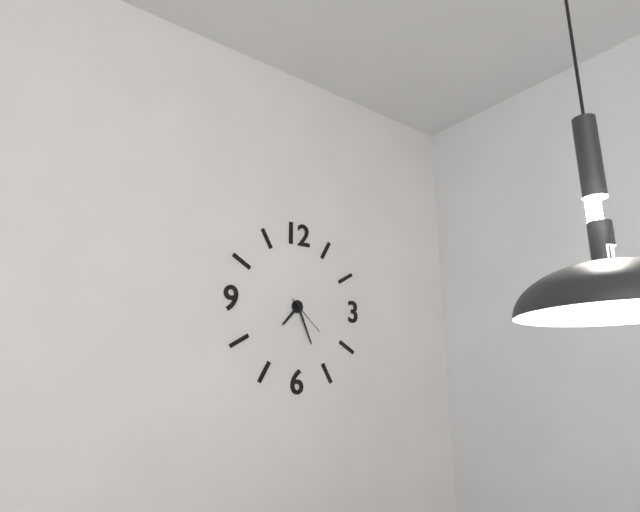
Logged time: 7 h 26 min
